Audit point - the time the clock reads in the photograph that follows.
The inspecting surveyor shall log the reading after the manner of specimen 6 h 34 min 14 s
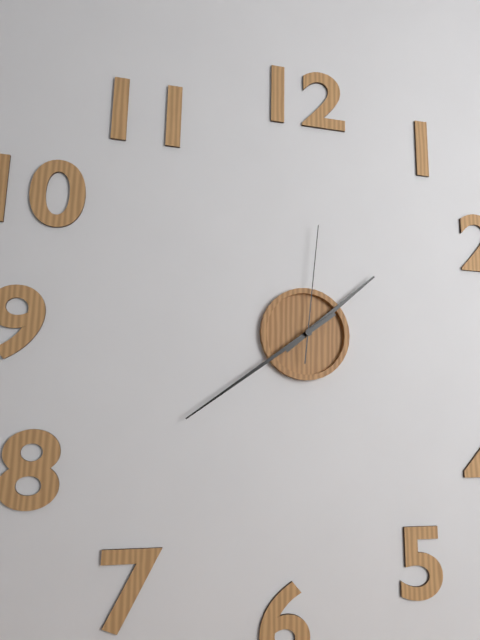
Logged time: 1 h 39 min 01 s
